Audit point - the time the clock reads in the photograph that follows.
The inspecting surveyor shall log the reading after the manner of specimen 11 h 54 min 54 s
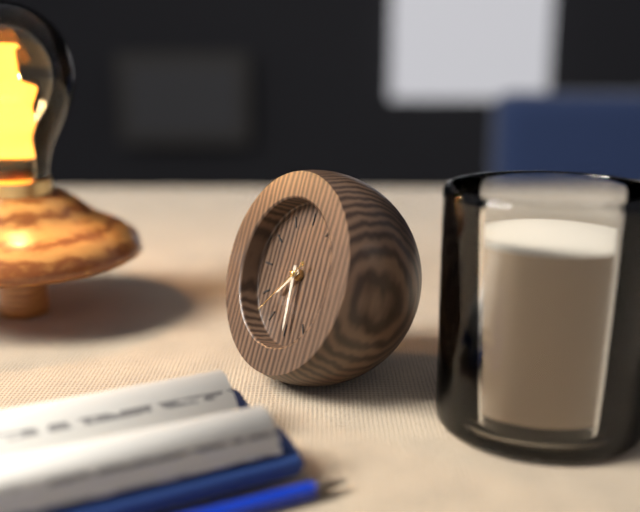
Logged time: 7 h 29 min 37 s
